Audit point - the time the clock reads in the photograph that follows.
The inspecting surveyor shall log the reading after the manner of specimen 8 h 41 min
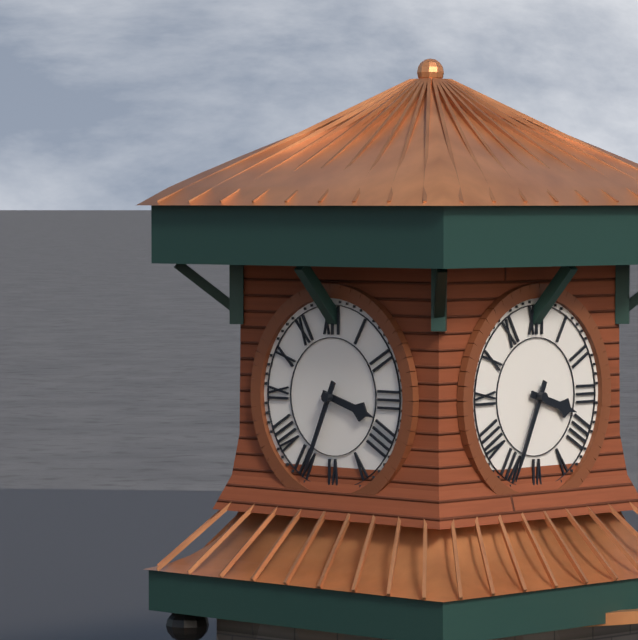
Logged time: 3 h 34 min
